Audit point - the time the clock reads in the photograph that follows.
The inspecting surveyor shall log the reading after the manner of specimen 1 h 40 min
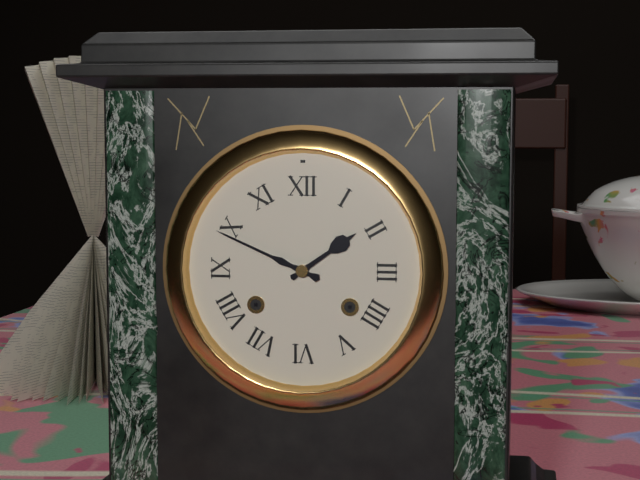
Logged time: 1 h 49 min
